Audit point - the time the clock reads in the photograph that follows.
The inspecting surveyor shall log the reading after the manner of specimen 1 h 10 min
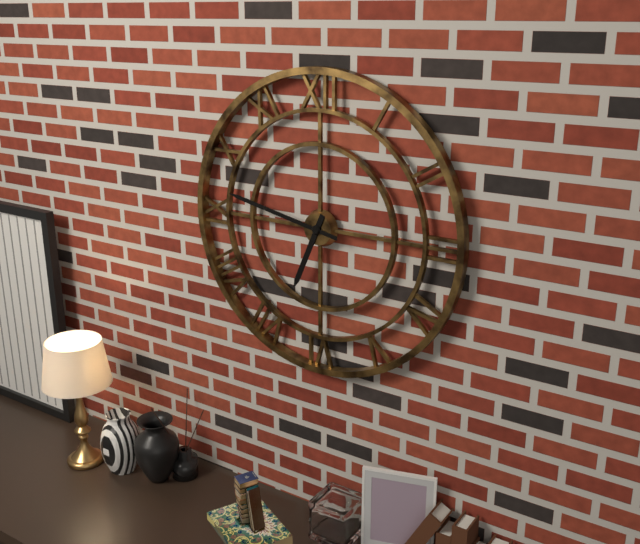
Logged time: 6 h 47 min
